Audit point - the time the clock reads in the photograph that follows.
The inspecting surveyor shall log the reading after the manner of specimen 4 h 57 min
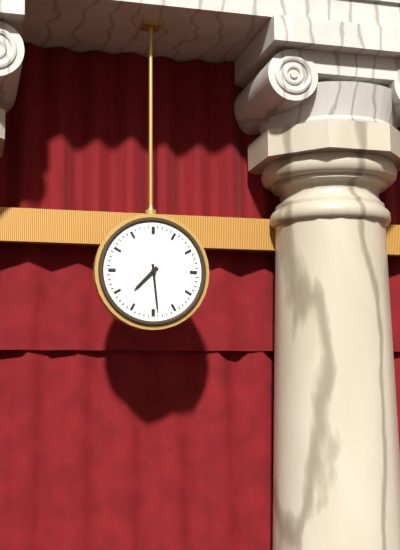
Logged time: 7 h 29 min
